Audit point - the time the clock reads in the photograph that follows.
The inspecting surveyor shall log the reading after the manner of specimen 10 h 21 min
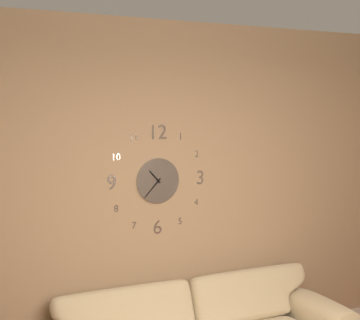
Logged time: 10 h 37 min
